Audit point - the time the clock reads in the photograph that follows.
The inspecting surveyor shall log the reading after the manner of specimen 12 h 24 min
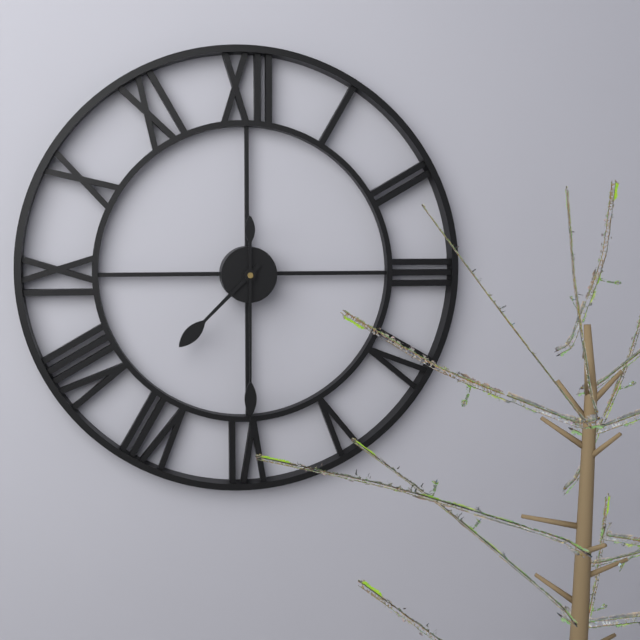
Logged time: 7 h 30 min
